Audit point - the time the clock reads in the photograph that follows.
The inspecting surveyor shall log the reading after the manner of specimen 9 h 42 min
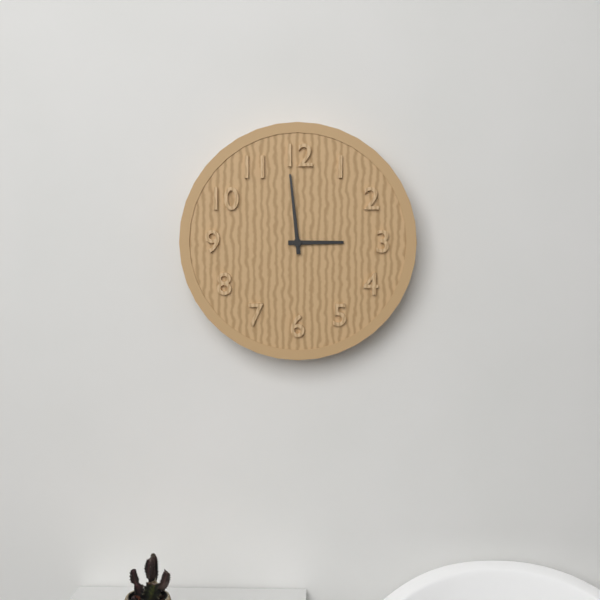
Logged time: 2 h 59 min
